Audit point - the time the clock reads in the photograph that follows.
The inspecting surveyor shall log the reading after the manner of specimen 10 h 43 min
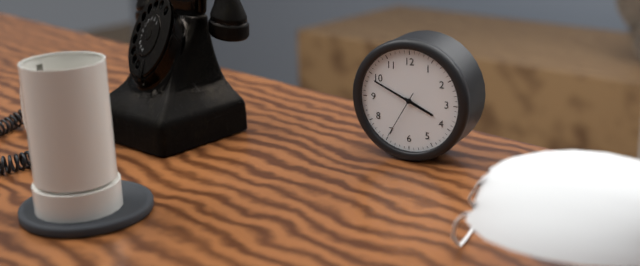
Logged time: 3 h 49 min
